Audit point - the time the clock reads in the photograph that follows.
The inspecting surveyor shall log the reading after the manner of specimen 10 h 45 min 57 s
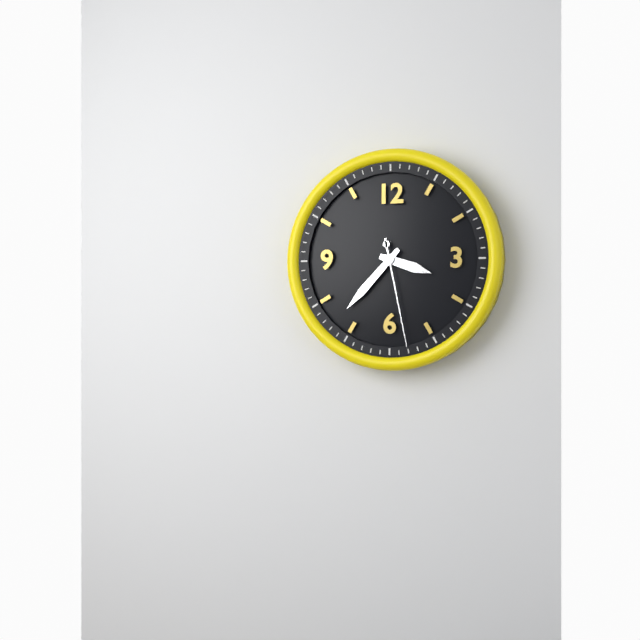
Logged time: 3 h 37 min 28 s
